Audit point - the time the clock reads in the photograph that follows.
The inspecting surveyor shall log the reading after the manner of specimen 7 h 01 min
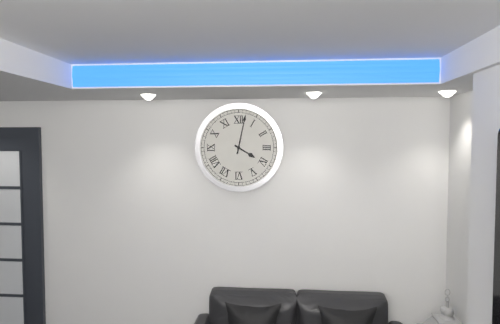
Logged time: 4 h 02 min
